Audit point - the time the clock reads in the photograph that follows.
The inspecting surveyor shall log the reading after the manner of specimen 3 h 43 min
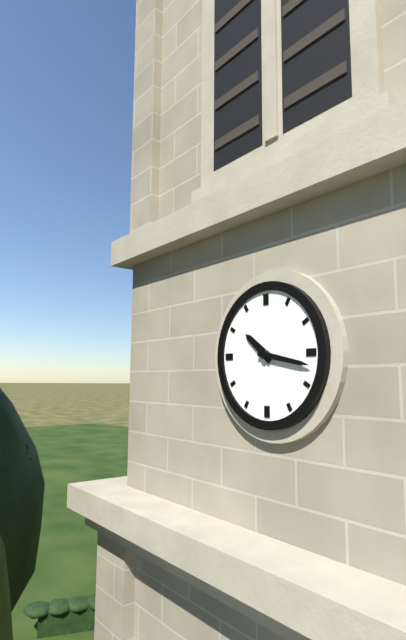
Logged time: 10 h 17 min
